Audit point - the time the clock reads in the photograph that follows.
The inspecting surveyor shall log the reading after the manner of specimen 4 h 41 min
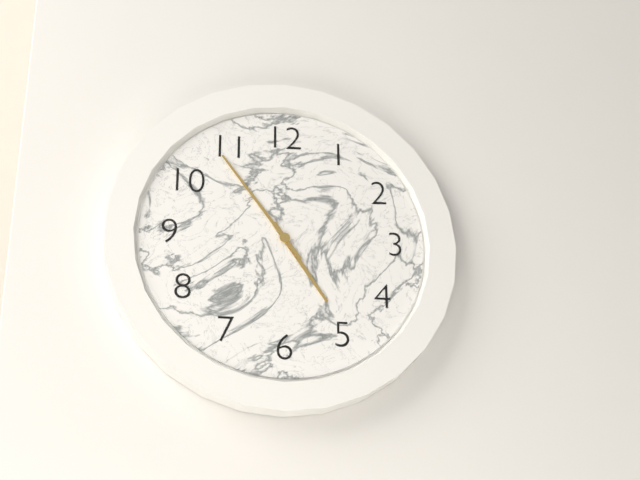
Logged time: 4 h 54 min
